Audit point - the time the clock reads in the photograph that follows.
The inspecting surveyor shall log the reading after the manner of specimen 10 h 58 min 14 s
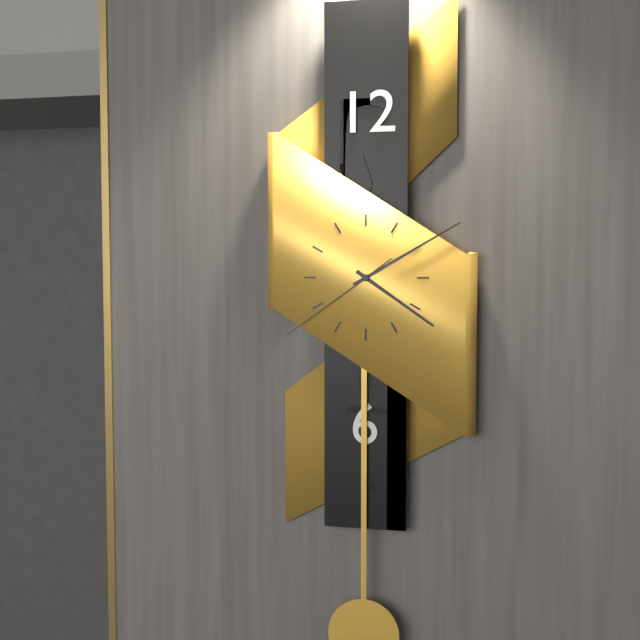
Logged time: 4 h 10 min 39 s
